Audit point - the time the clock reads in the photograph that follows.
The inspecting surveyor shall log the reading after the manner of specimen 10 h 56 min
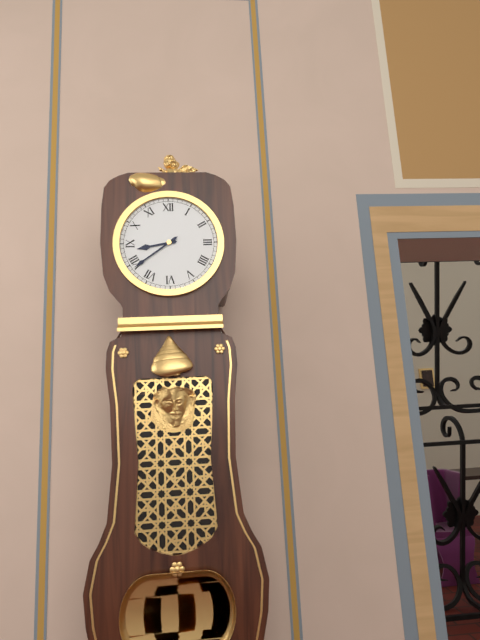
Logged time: 8 h 39 min
